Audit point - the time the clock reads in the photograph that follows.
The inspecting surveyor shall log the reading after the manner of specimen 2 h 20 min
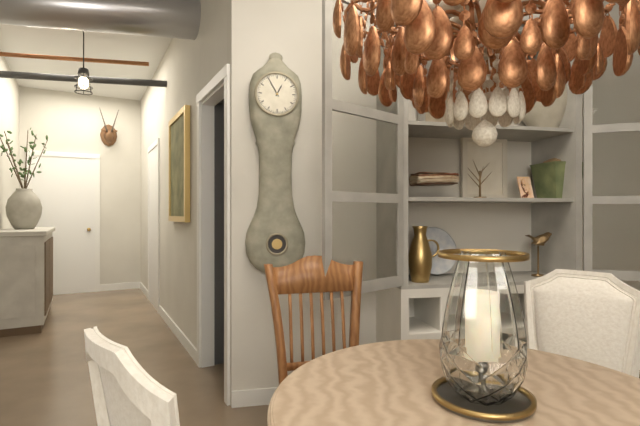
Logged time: 12 h 55 min
